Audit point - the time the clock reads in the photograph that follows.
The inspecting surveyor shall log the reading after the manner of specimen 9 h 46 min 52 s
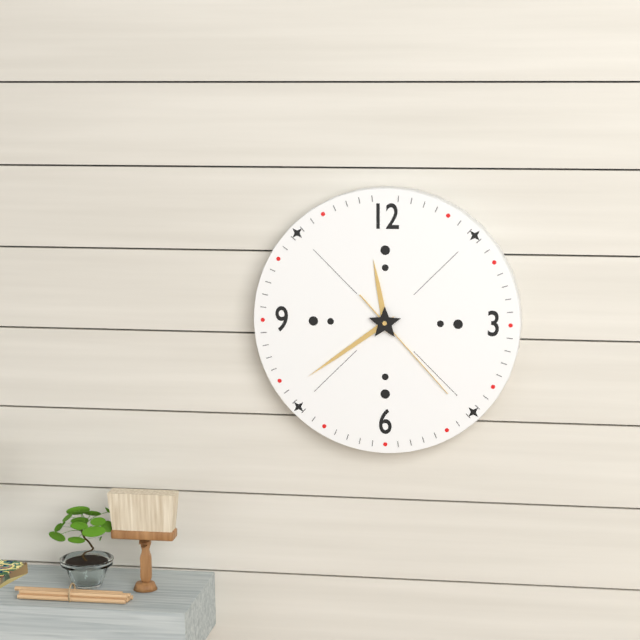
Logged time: 11 h 39 min 23 s
